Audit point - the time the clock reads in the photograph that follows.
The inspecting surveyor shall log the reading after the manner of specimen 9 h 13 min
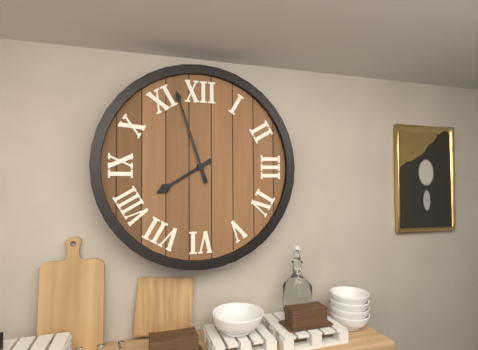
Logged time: 7 h 57 min
